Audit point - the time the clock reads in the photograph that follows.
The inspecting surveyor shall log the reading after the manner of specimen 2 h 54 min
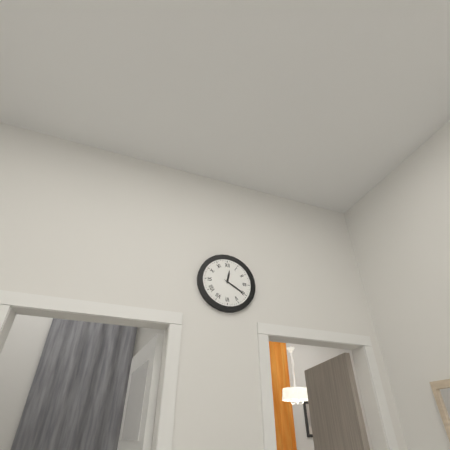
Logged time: 12 h 20 min
